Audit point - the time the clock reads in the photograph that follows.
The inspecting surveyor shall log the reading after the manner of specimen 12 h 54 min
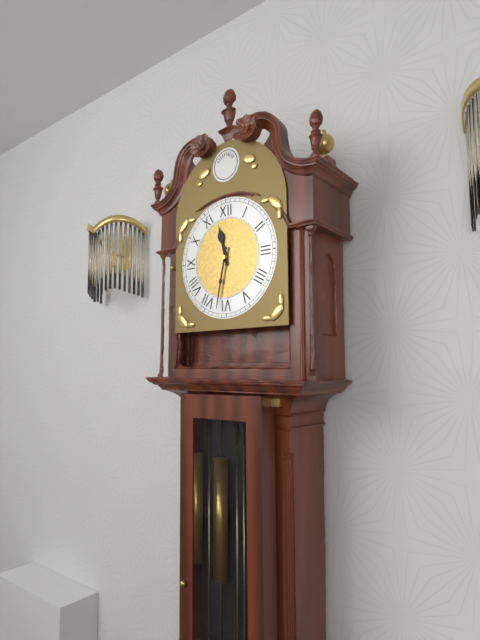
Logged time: 11 h 32 min
